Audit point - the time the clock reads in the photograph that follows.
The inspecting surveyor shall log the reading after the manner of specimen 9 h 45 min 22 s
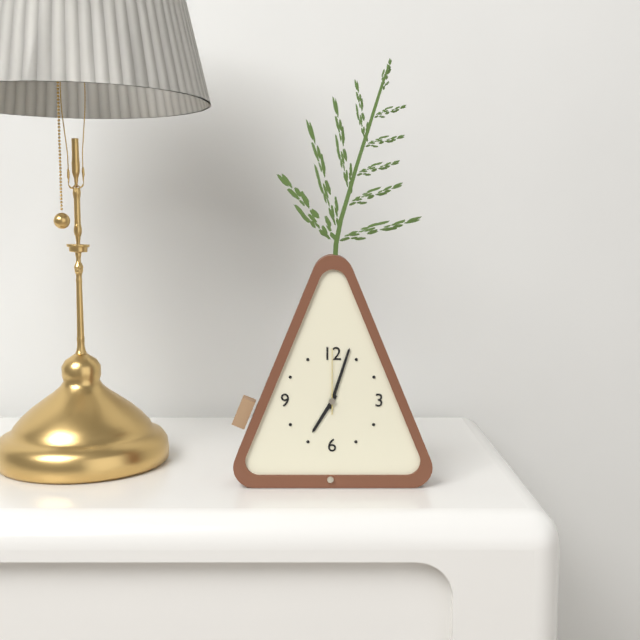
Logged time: 7 h 03 min 00 s
